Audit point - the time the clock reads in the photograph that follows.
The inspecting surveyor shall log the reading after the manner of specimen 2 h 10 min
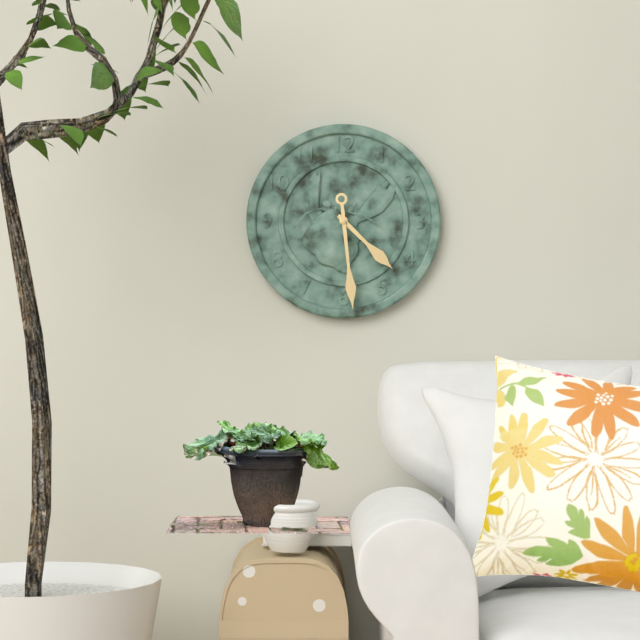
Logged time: 4 h 29 min
